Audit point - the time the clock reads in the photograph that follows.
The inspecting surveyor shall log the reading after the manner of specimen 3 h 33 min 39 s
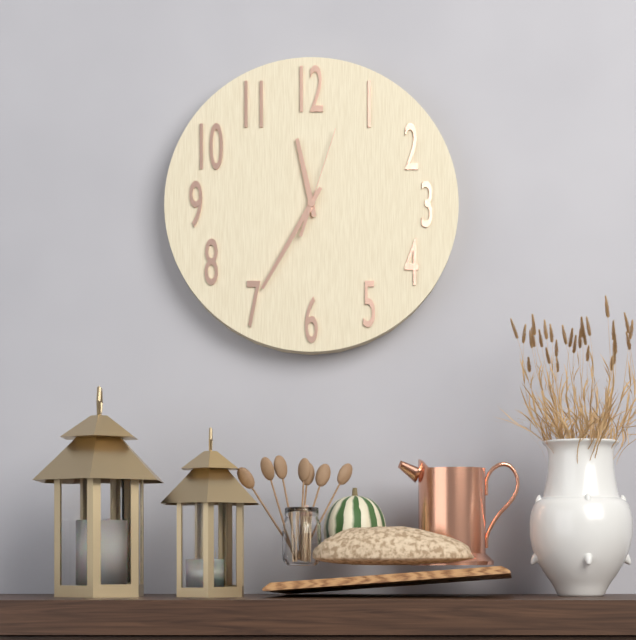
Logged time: 11 h 35 min 03 s
